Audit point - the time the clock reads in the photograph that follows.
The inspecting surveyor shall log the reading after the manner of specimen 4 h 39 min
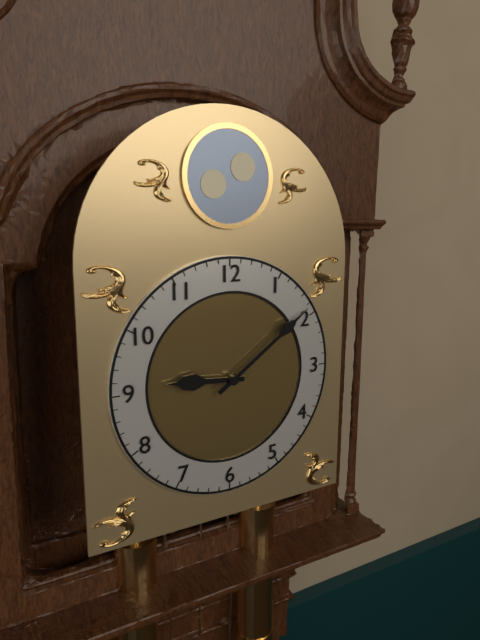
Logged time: 9 h 09 min
